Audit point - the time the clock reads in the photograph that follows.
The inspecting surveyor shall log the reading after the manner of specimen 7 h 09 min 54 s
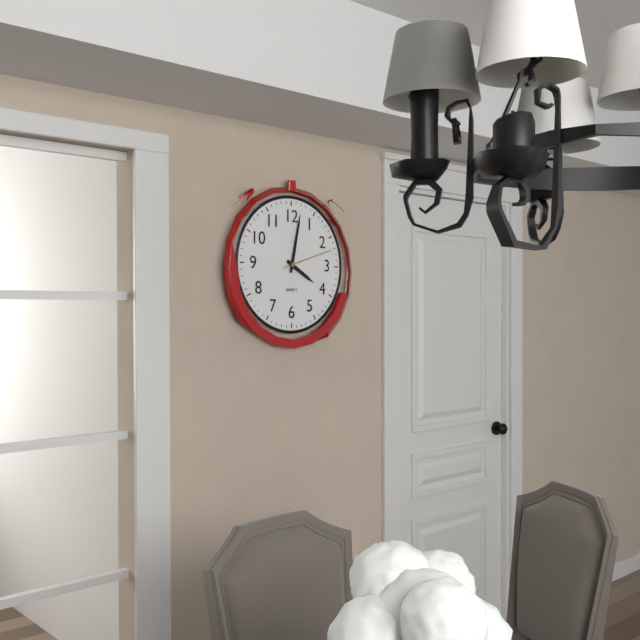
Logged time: 4 h 02 min 12 s
